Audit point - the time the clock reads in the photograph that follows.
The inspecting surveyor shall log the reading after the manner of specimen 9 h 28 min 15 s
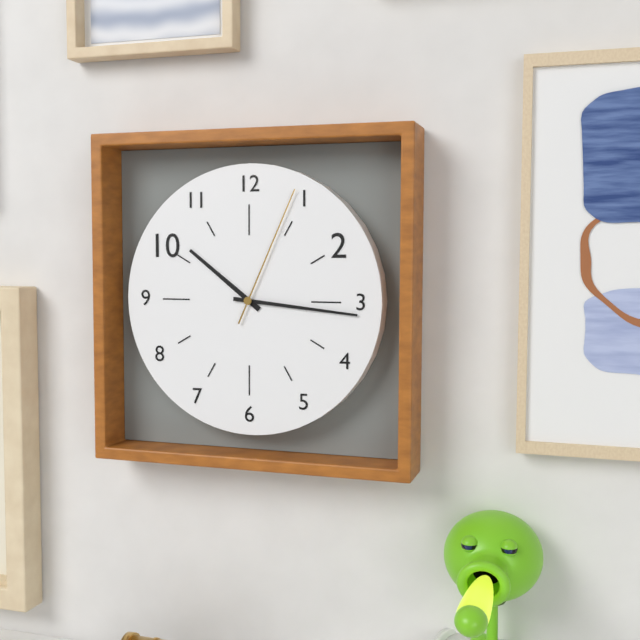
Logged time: 10 h 16 min 04 s
